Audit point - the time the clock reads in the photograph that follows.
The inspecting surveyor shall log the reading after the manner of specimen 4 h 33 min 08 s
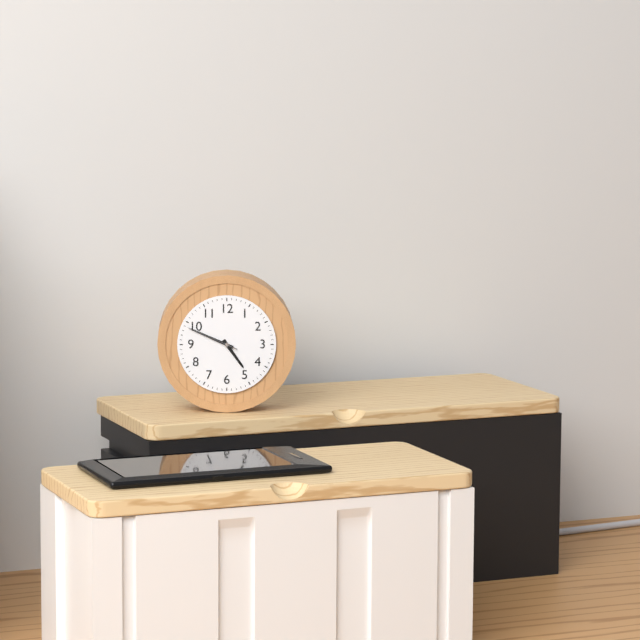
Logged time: 4 h 49 min 49 s
